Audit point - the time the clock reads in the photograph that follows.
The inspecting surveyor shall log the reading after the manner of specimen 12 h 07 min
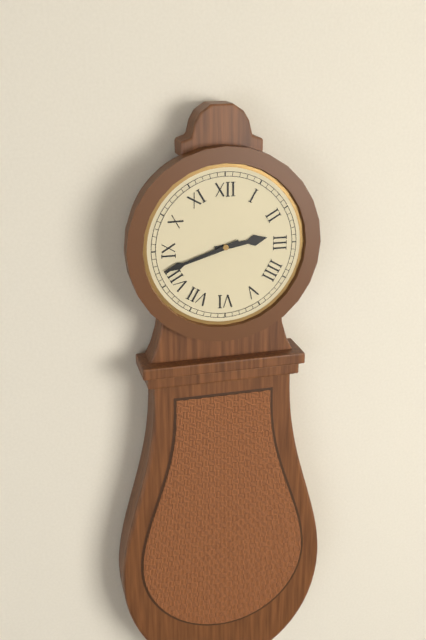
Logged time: 2 h 42 min
